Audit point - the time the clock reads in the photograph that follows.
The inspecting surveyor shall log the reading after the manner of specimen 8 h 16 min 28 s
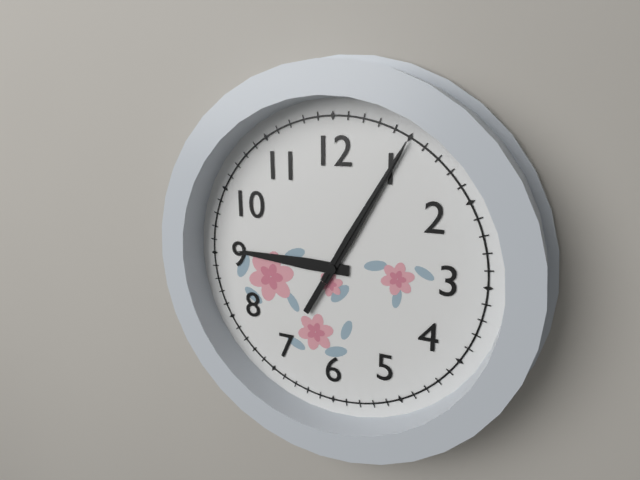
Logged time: 9 h 05 min 05 s
